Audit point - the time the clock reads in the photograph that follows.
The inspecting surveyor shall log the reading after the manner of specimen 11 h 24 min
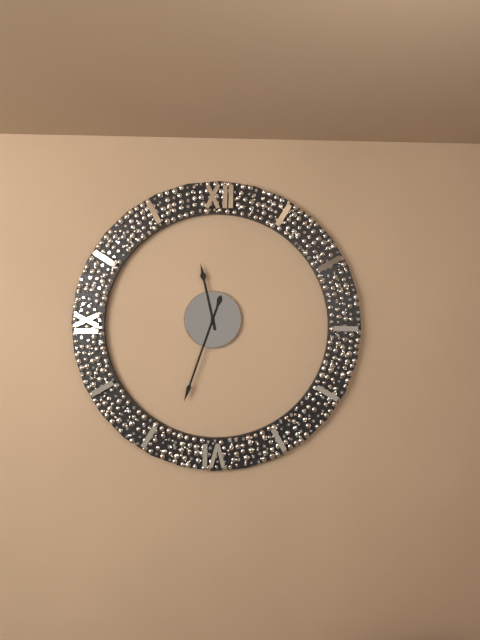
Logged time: 11 h 33 min
